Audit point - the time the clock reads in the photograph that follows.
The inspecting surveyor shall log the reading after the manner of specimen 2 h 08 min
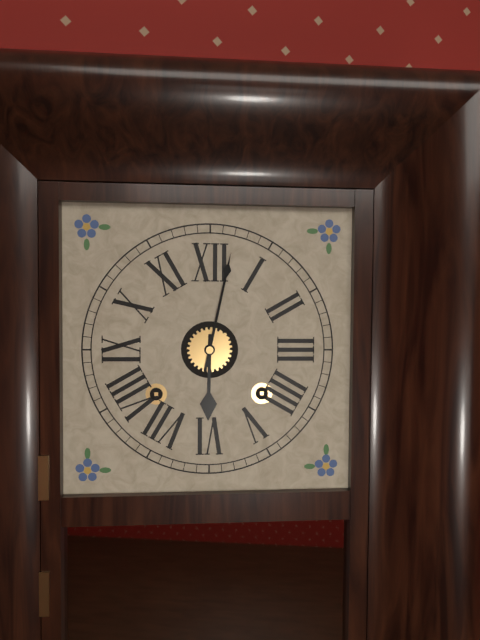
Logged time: 6 h 02 min
